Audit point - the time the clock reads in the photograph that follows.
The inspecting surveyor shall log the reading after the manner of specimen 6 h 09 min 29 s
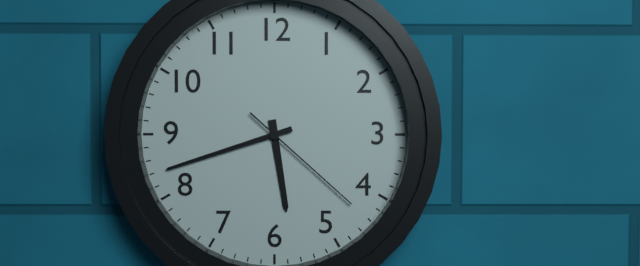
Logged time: 5 h 42 min 22 s
